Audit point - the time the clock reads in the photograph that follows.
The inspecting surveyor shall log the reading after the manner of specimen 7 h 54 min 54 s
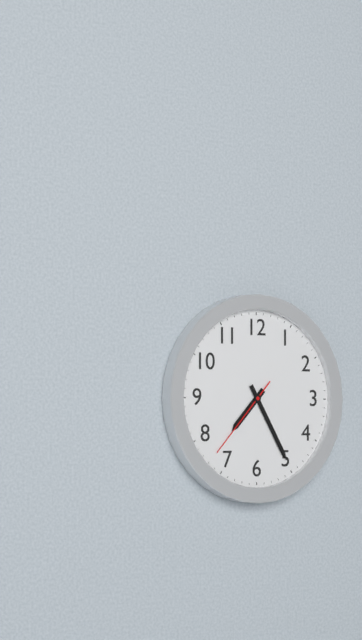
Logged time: 7 h 25 min 37 s
